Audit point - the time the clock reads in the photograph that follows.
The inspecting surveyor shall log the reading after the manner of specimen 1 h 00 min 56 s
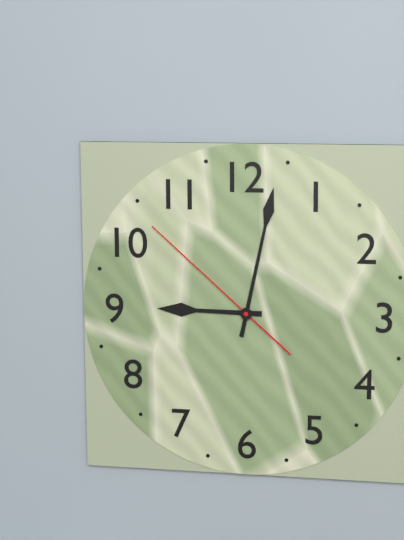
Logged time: 9 h 02 min 52 s
